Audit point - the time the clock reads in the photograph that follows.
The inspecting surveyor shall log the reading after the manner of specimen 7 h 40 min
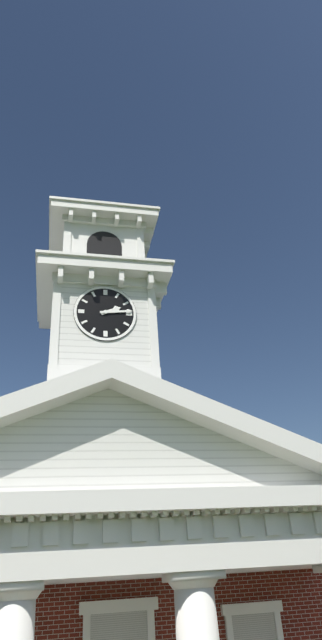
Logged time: 2 h 14 min
